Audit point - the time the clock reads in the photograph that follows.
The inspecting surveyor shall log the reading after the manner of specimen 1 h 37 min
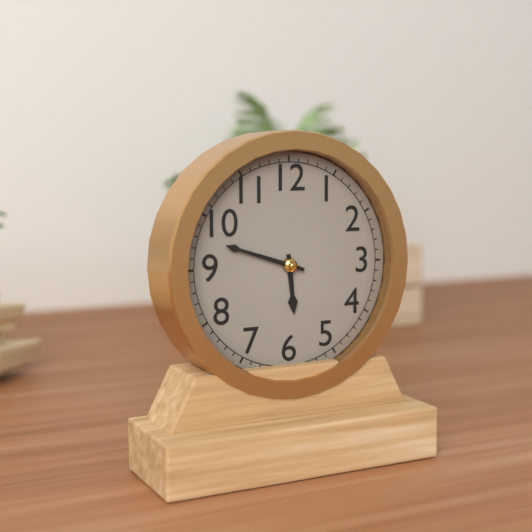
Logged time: 5 h 48 min
